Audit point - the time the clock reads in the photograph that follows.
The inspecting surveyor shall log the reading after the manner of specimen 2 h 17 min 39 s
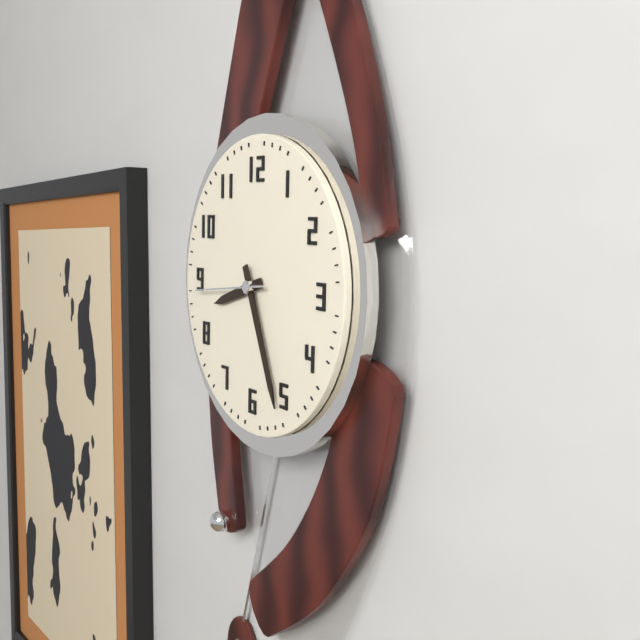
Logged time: 8 h 26 min 44 s
